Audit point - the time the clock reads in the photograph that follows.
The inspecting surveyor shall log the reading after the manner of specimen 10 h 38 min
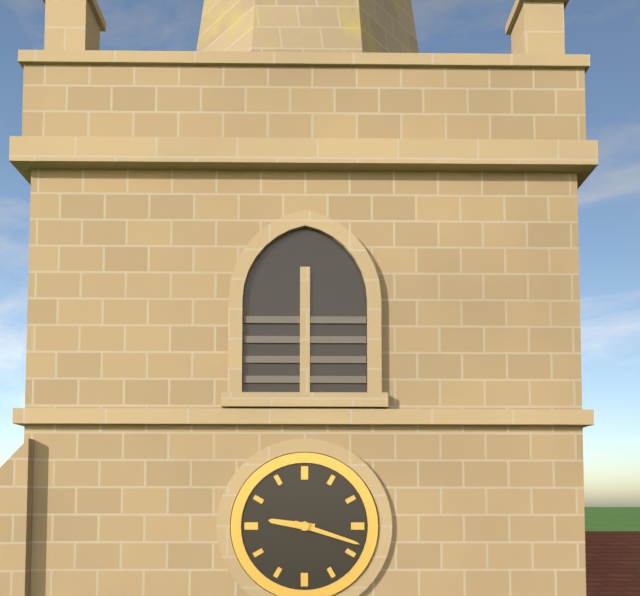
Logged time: 9 h 18 min
